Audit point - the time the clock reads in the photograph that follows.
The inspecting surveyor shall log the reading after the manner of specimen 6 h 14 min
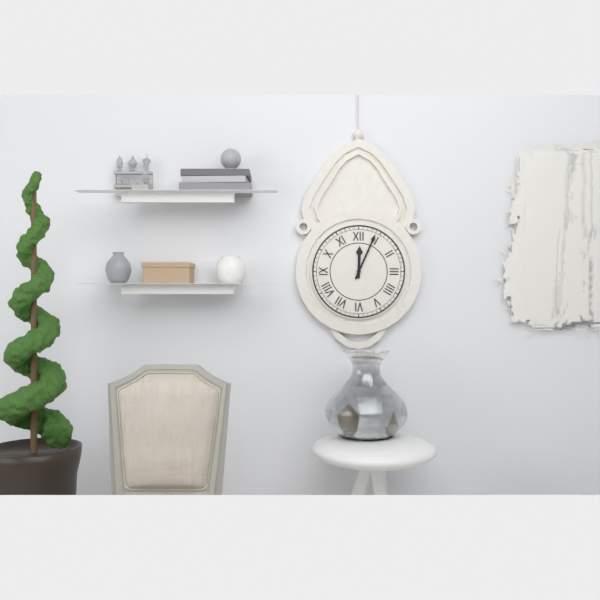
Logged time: 12 h 04 min
